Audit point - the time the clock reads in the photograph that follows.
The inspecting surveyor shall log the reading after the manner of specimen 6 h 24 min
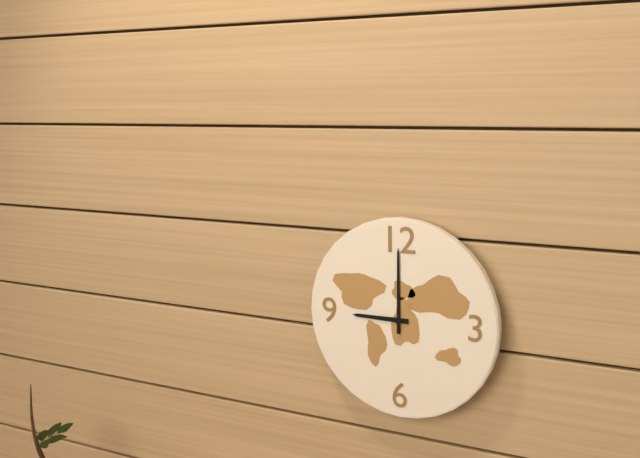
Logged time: 9 h 00 min
